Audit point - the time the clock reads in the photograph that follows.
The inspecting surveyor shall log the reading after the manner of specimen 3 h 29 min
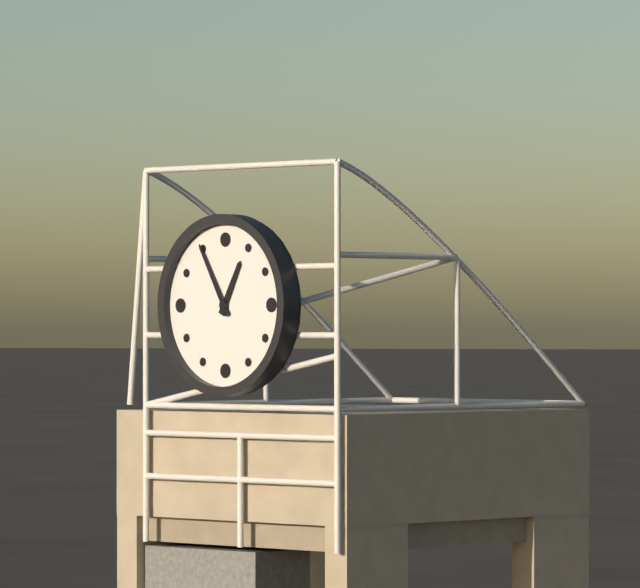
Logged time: 12 h 55 min
